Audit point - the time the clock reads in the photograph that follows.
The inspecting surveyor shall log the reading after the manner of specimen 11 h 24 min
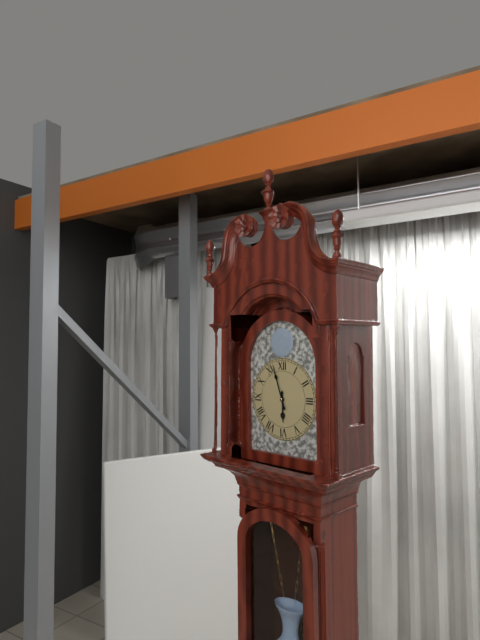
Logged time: 5 h 57 min
